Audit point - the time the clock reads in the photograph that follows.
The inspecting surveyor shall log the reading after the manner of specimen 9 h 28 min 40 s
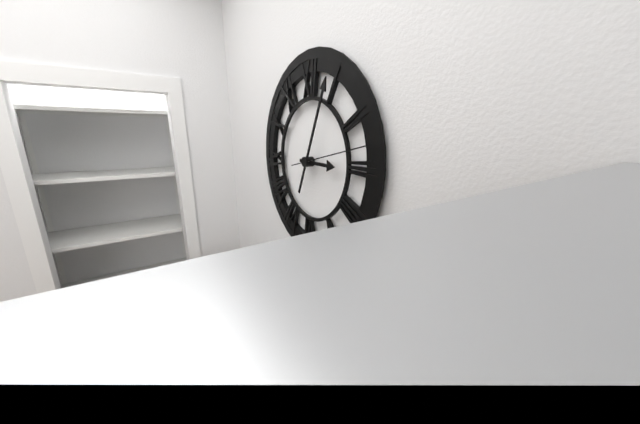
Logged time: 3 h 04 min 13 s
